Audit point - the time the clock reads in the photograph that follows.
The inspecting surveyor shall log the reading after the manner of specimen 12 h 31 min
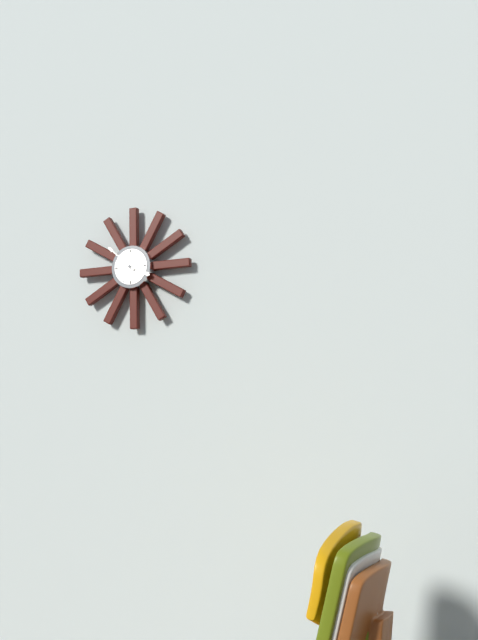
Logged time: 3 h 52 min
